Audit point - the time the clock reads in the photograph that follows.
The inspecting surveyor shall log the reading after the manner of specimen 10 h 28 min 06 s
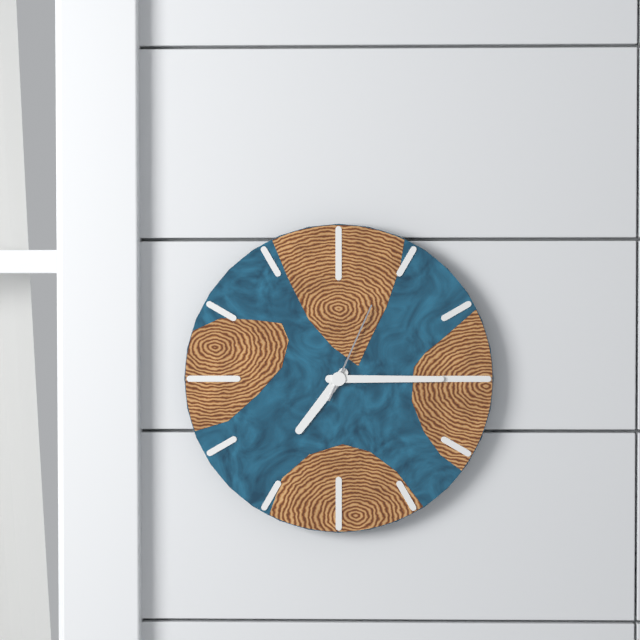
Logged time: 7 h 15 min 04 s
